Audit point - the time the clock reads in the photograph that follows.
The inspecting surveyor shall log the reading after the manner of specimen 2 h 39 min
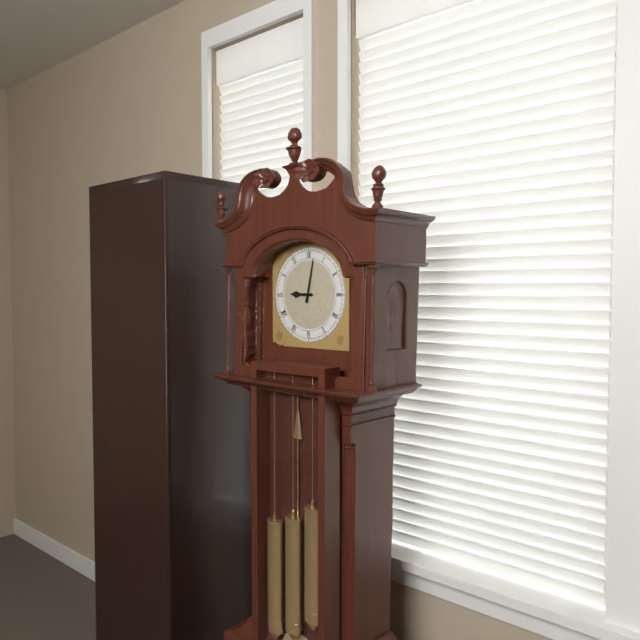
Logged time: 9 h 02 min
